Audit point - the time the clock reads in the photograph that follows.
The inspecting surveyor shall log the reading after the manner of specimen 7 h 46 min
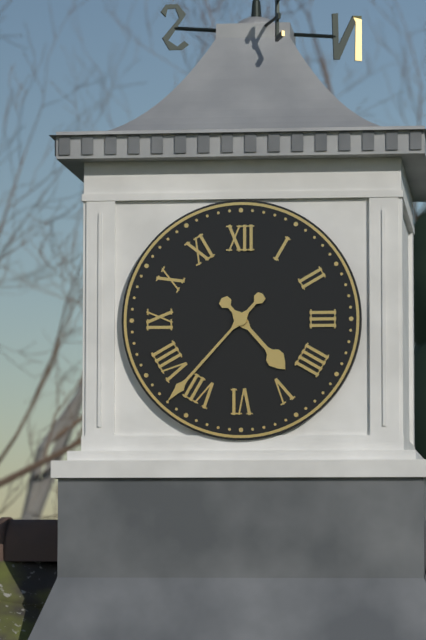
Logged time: 4 h 37 min
